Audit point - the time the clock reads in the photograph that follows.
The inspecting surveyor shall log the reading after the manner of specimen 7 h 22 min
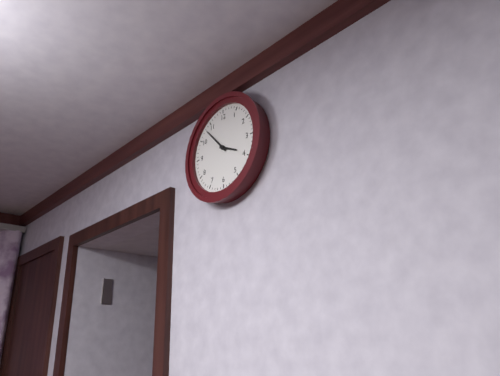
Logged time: 3 h 53 min
